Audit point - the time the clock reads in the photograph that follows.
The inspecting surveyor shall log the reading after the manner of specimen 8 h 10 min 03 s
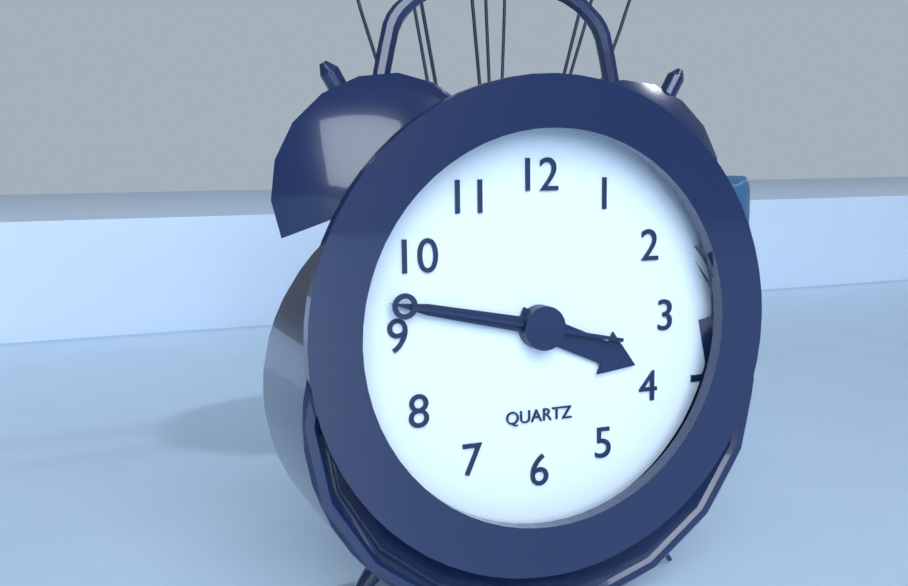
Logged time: 3 h 47 min 47 s
